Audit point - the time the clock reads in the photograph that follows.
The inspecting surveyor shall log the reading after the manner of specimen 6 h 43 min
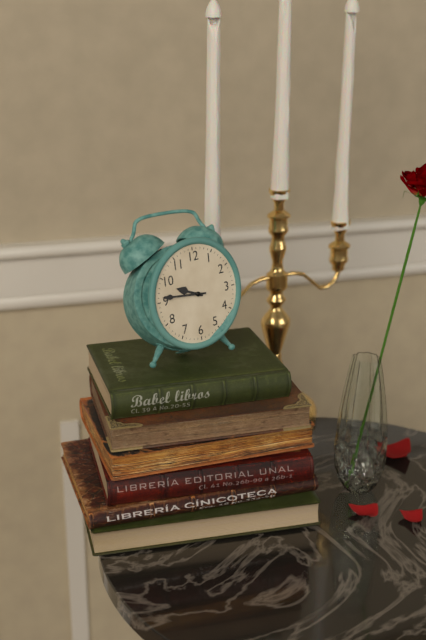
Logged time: 9 h 46 min
